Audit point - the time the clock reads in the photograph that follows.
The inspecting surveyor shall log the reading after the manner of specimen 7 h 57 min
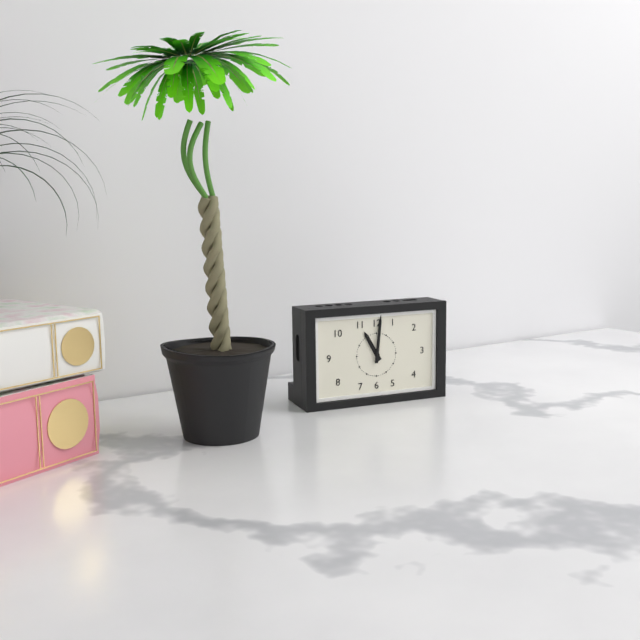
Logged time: 11 h 01 min
